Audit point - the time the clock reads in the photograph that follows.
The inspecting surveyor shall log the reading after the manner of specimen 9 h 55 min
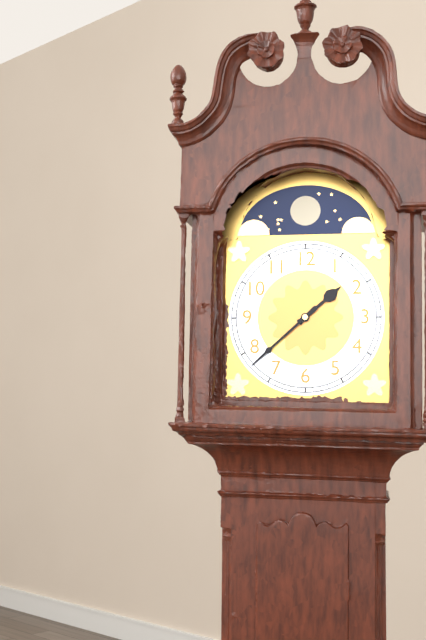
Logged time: 1 h 38 min
